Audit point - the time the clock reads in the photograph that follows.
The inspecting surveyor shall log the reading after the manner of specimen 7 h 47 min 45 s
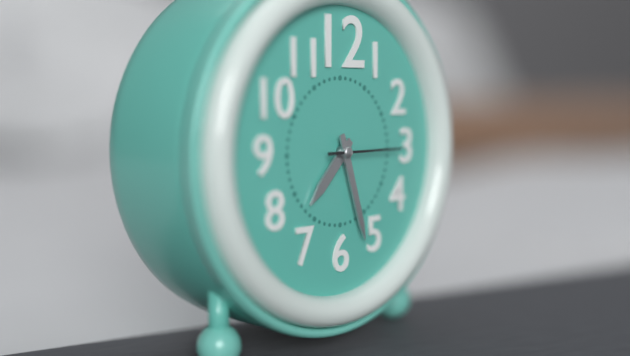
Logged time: 7 h 27 min 15 s
